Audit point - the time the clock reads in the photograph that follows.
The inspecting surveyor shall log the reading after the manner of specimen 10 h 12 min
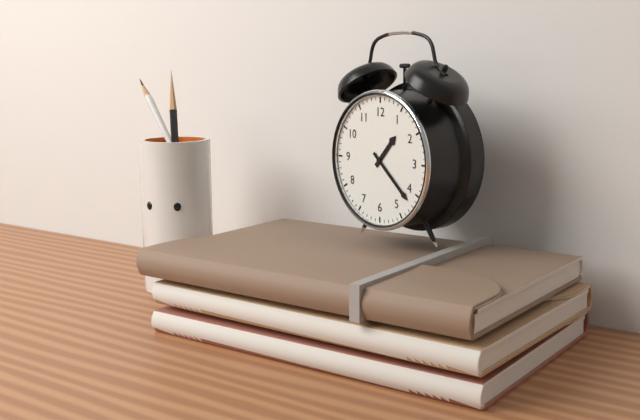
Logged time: 1 h 22 min
